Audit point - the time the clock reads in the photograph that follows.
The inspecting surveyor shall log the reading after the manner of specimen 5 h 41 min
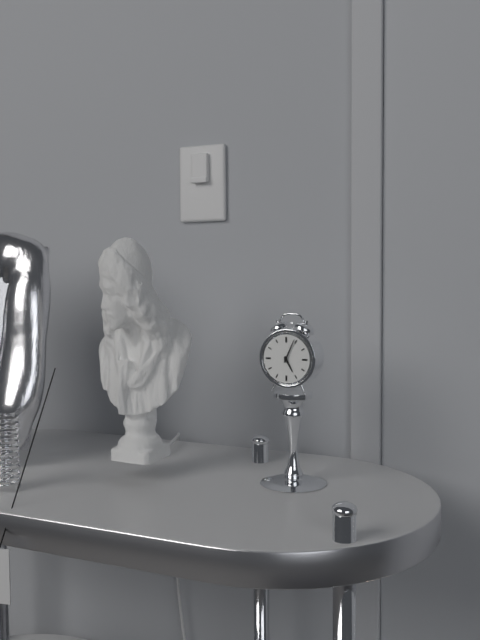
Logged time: 5 h 04 min
